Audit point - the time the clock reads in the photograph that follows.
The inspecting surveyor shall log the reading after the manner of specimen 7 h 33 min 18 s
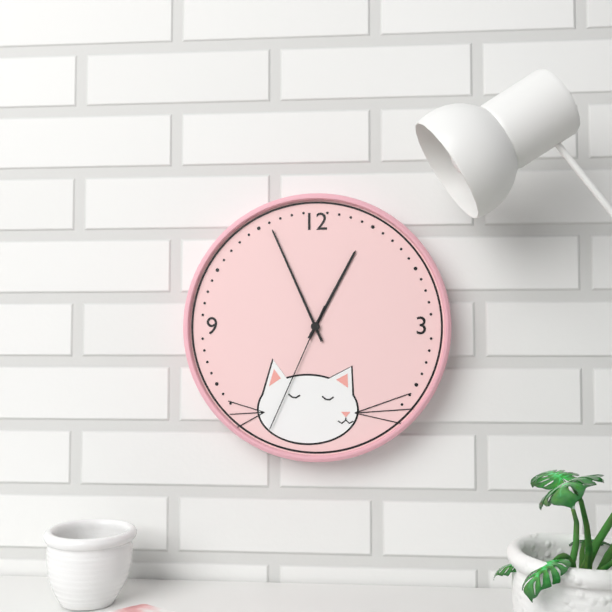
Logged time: 12 h 56 min 34 s
